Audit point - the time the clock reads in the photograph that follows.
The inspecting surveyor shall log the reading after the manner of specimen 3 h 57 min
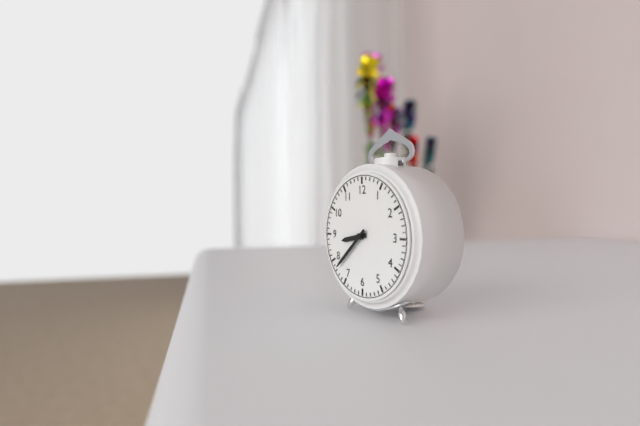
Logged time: 8 h 38 min
